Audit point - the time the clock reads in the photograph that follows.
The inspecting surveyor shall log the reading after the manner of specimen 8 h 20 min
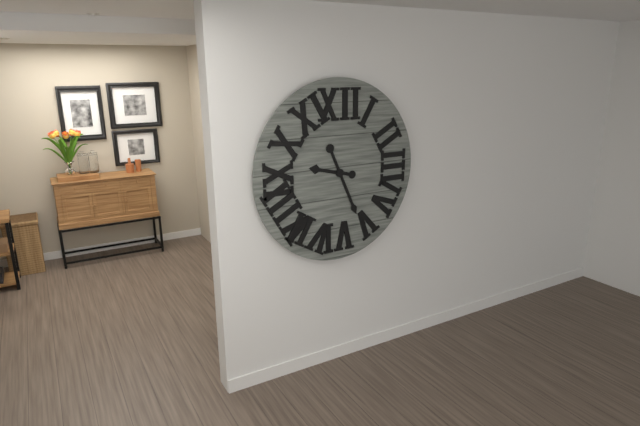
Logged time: 9 h 26 min
